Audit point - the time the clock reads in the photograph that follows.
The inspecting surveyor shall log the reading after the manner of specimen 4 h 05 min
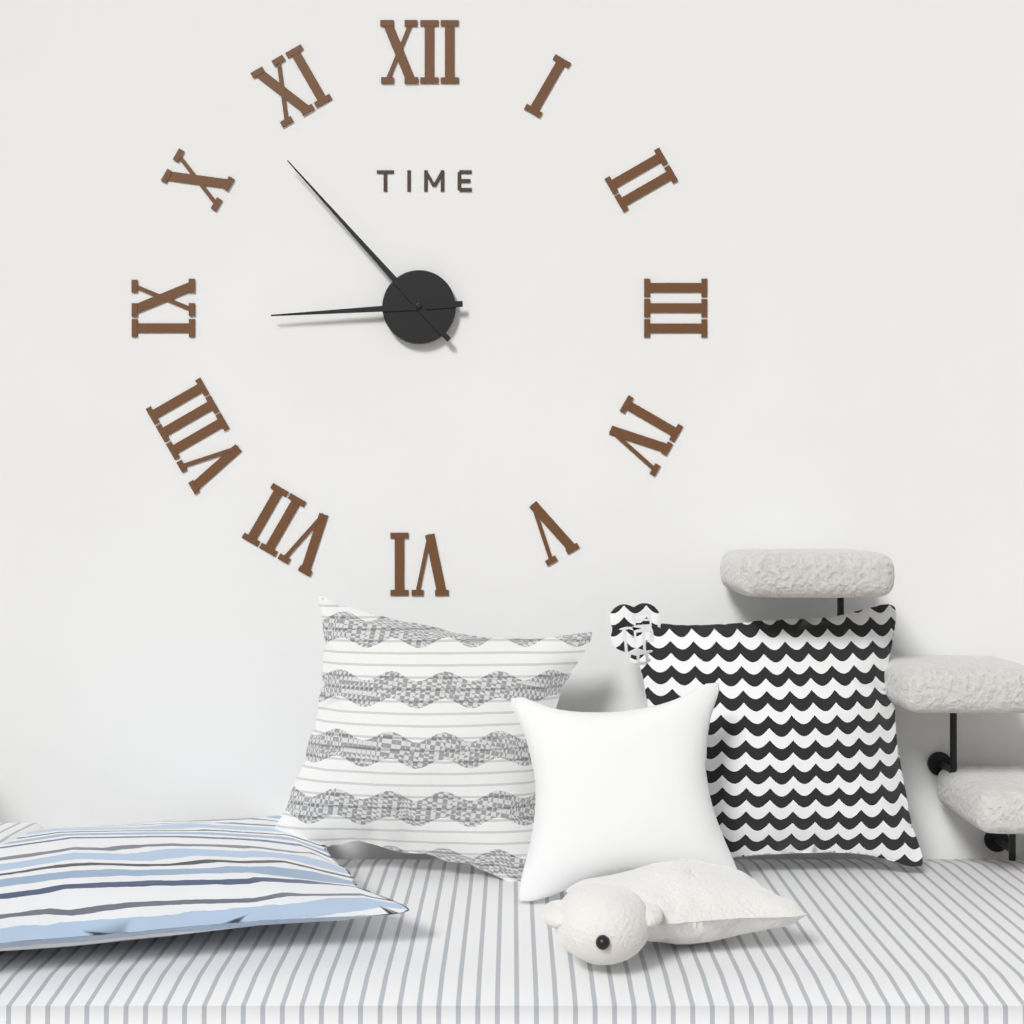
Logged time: 8 h 53 min
